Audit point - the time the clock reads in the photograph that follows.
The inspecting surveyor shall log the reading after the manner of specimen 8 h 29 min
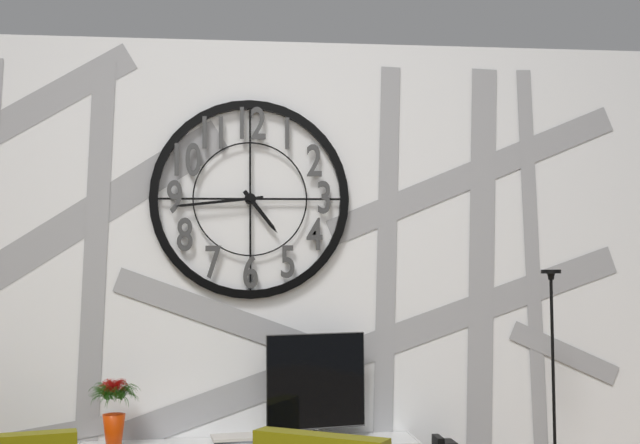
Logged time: 4 h 44 min
